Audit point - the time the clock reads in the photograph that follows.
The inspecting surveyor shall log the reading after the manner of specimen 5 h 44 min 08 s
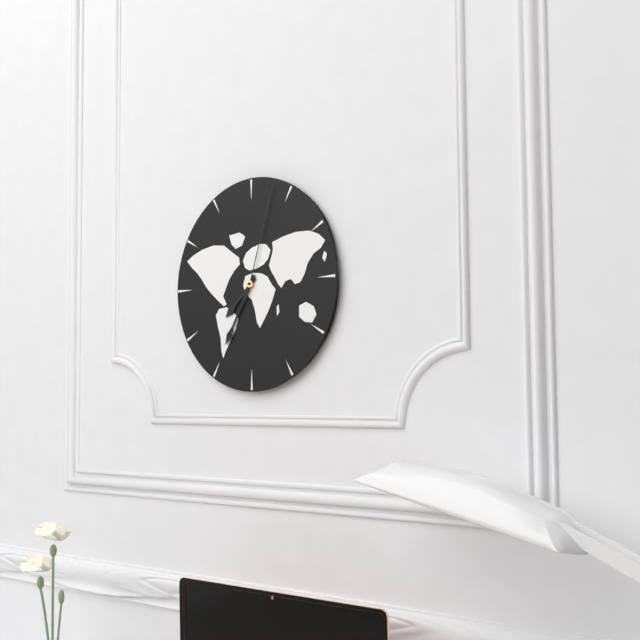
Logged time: 7 h 35 min 03 s
